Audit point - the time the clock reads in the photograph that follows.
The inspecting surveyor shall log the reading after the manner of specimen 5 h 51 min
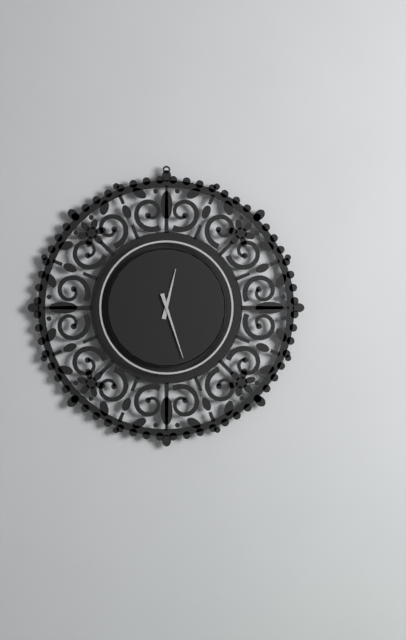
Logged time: 12 h 27 min
